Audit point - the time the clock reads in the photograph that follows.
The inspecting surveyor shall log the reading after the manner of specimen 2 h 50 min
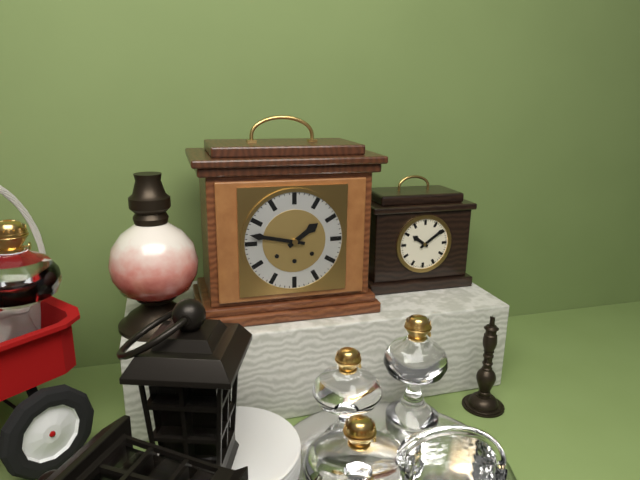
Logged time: 1 h 47 min
